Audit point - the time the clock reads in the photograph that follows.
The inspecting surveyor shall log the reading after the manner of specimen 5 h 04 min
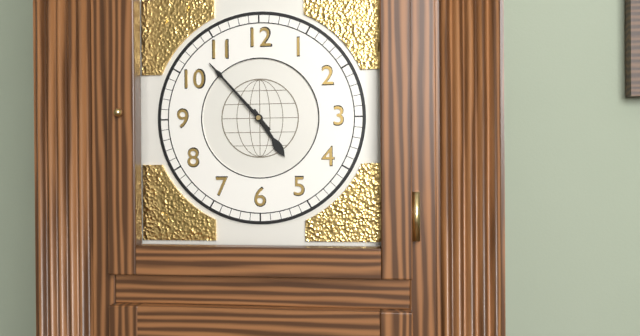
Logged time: 4 h 53 min
